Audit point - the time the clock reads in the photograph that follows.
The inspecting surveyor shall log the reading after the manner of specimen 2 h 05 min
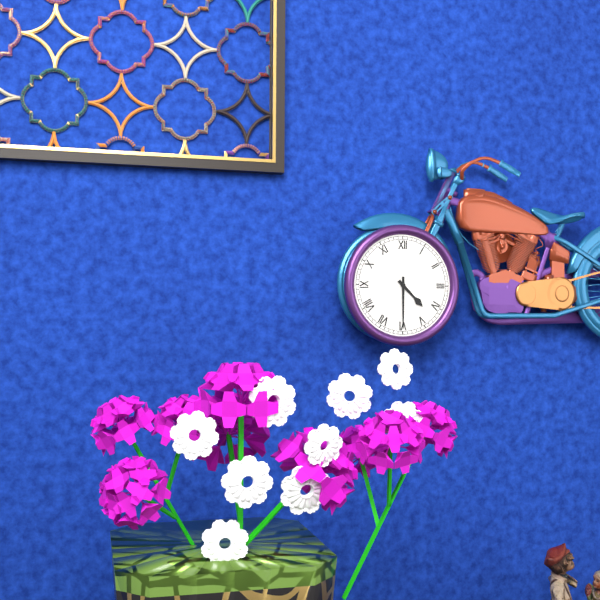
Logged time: 4 h 30 min
